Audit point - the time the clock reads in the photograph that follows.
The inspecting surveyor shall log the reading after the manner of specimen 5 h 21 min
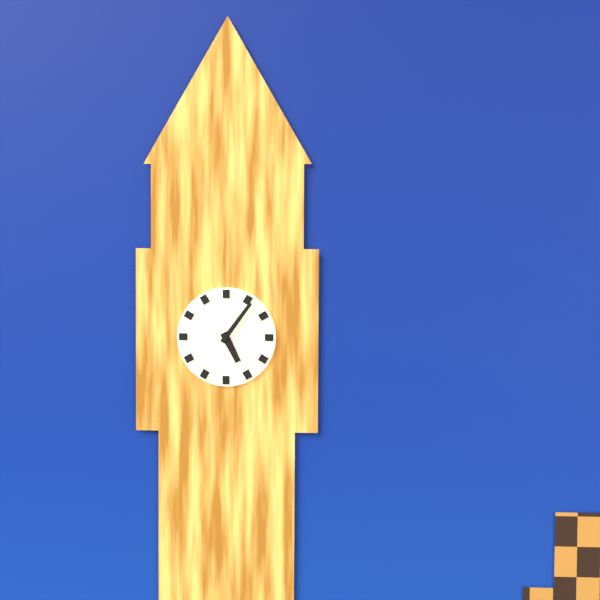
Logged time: 5 h 06 min
